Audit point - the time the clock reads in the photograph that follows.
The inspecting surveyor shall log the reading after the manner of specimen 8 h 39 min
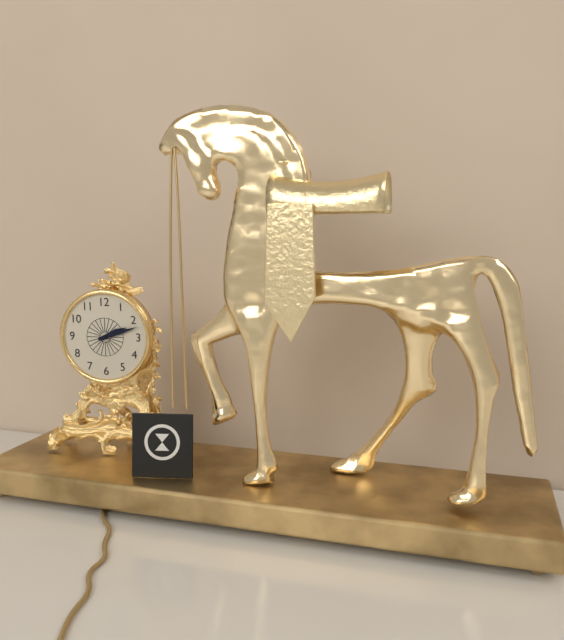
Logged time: 2 h 12 min
